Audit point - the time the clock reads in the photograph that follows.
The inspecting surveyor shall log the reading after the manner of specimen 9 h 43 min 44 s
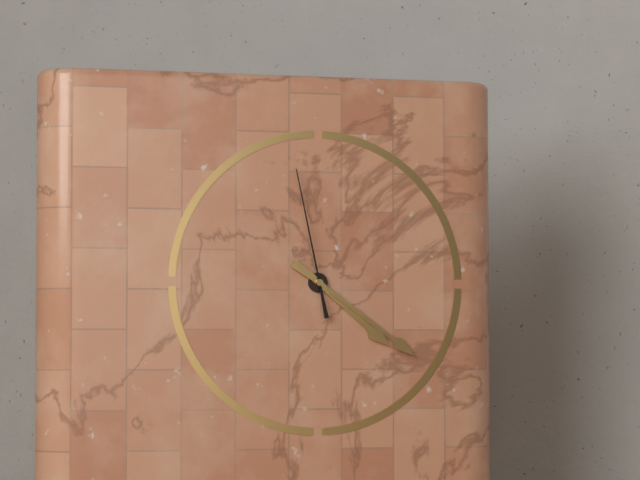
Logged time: 4 h 21 min 58 s
